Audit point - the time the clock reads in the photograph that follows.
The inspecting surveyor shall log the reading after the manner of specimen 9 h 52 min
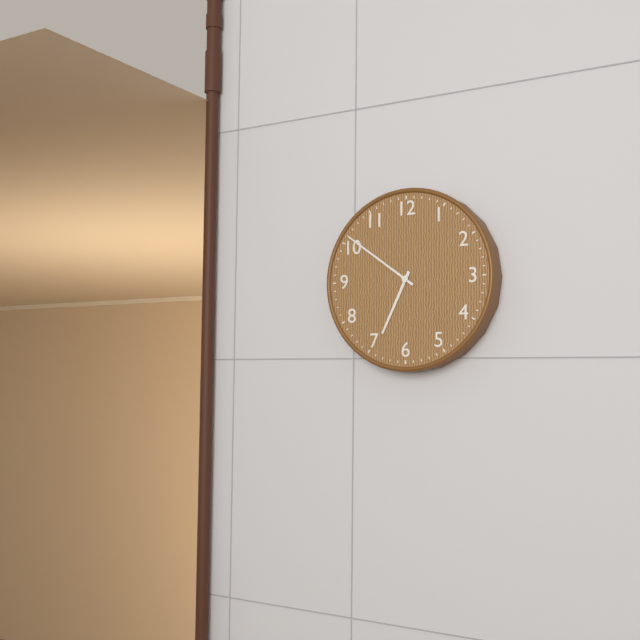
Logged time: 6 h 51 min
